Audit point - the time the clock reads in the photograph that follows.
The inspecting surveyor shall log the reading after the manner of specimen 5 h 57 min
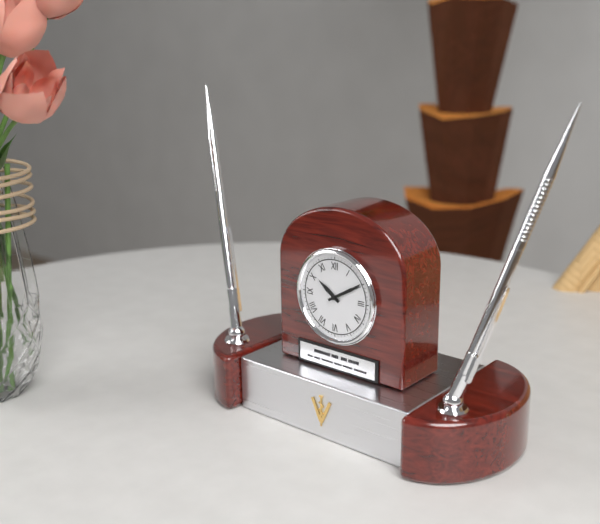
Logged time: 10 h 10 min
